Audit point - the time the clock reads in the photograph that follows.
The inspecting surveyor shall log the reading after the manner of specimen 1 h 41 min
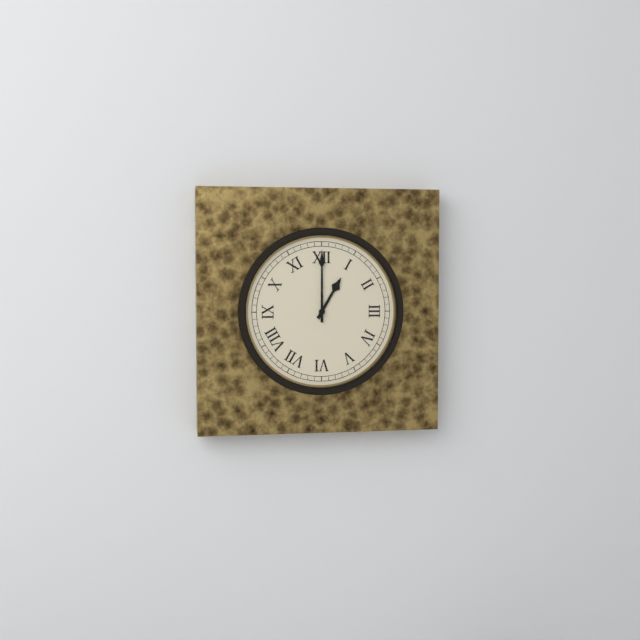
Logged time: 1 h 00 min
